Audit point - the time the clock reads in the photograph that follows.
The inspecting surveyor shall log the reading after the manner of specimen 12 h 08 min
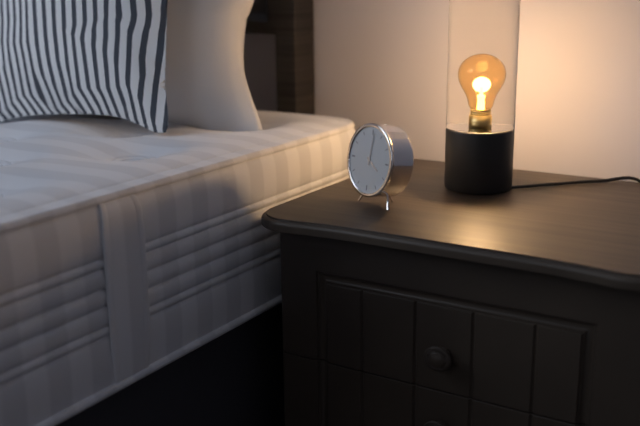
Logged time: 4 h 01 min
